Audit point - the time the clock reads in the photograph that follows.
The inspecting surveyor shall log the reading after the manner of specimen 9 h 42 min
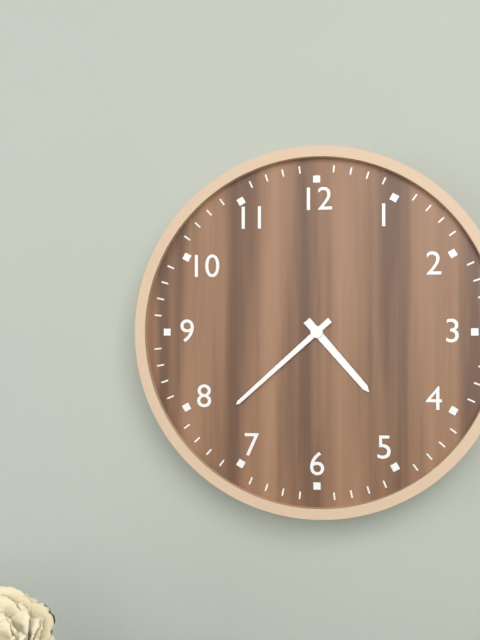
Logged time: 4 h 38 min
